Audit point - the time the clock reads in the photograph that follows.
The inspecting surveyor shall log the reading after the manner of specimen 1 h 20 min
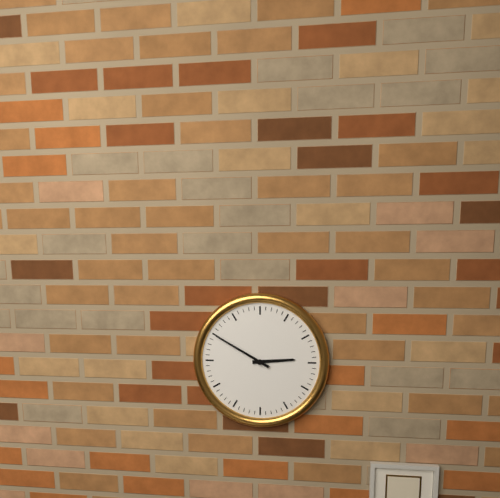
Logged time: 2 h 50 min
